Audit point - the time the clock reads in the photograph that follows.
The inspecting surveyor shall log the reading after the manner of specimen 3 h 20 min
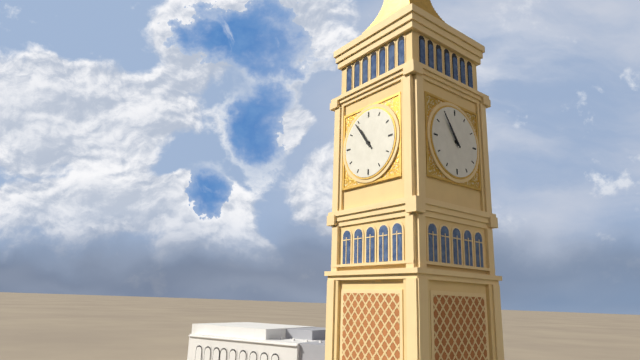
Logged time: 10 h 54 min
